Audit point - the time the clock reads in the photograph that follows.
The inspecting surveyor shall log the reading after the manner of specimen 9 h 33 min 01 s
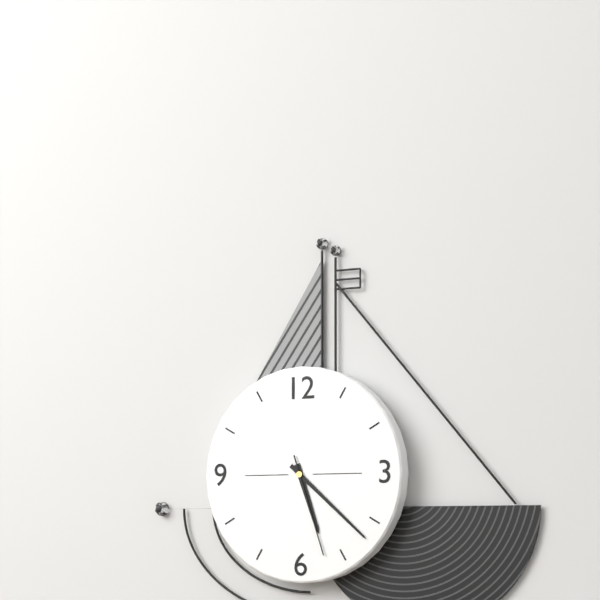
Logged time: 5 h 22 min 27 s
